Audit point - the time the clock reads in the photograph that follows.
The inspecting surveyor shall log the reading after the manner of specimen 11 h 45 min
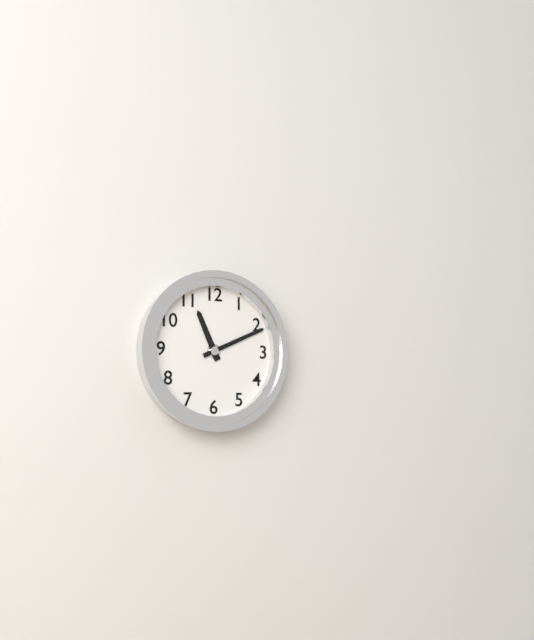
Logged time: 11 h 11 min
